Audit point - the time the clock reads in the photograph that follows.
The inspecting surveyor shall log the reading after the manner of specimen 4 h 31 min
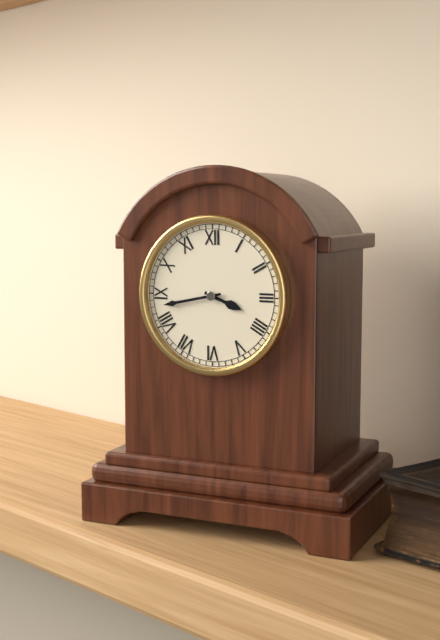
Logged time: 3 h 43 min
